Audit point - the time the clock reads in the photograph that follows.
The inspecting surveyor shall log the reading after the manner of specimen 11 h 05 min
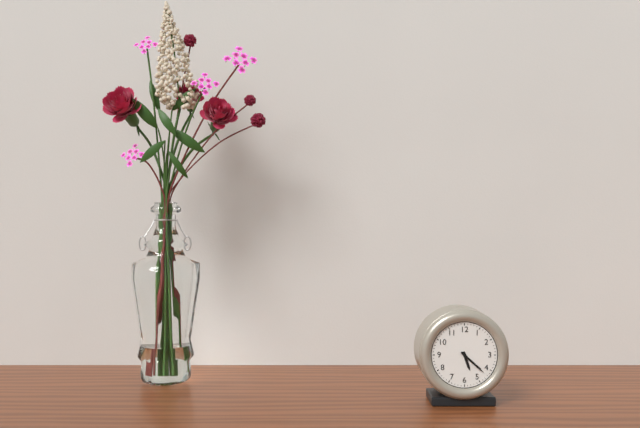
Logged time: 5 h 22 min
